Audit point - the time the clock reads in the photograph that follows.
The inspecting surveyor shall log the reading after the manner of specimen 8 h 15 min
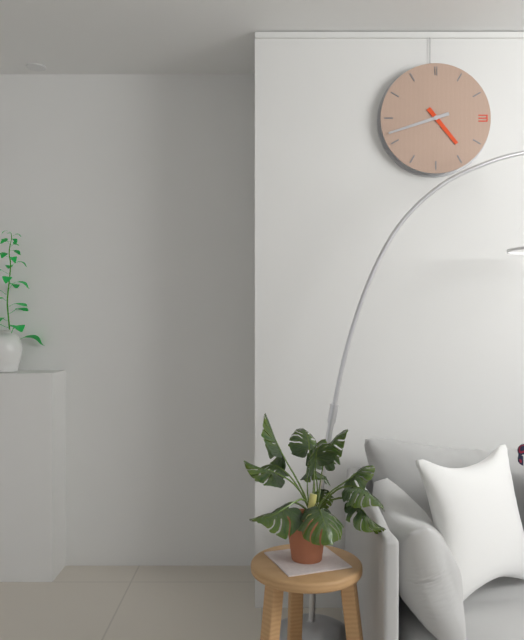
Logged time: 4 h 42 min
